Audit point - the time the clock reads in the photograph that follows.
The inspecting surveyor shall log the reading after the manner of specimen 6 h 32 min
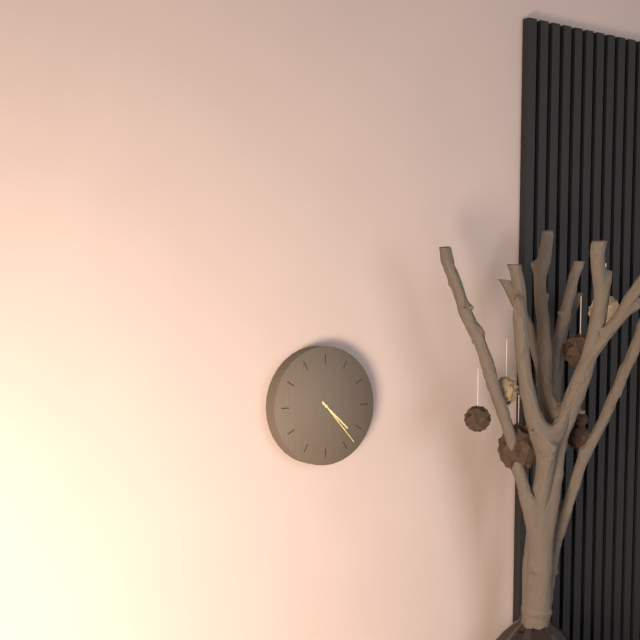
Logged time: 4 h 23 min
